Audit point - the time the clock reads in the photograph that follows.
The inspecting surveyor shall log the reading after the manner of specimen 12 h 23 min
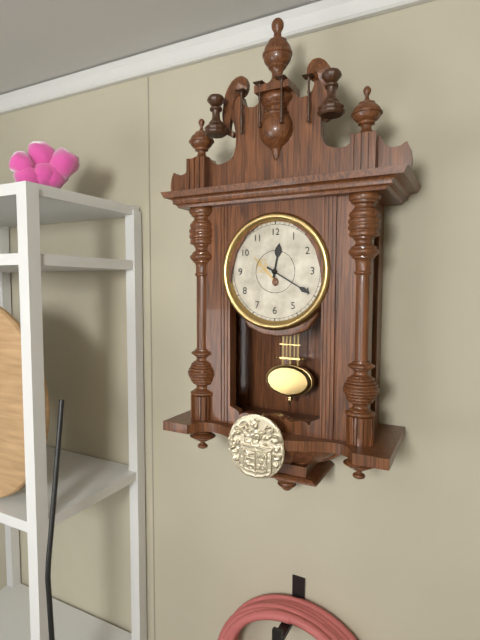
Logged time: 12 h 20 min
